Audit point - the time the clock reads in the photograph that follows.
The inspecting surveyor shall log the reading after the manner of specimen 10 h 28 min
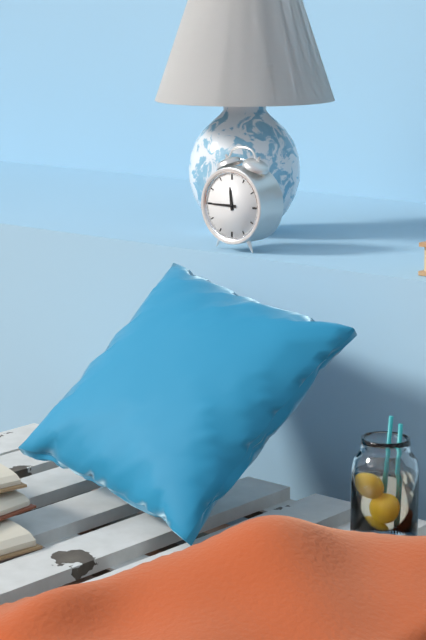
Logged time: 11 h 45 min
